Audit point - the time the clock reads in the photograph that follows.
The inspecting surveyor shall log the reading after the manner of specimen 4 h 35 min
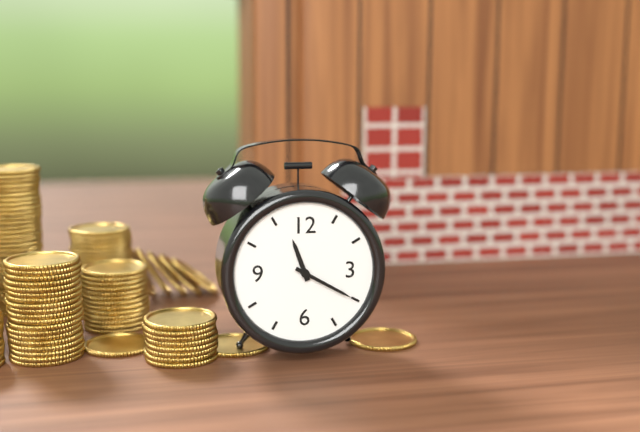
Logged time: 11 h 20 min
